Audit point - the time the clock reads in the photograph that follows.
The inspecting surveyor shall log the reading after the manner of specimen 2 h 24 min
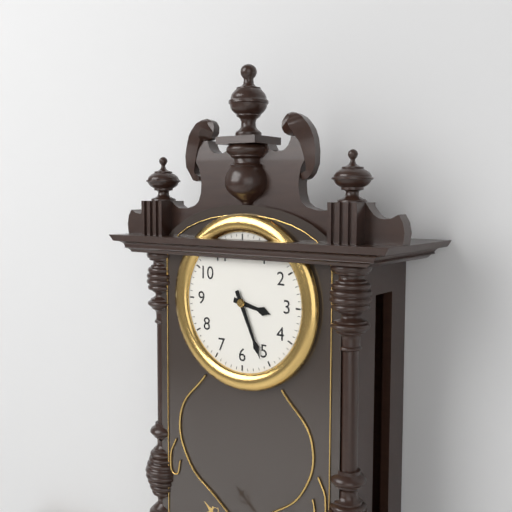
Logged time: 3 h 26 min
